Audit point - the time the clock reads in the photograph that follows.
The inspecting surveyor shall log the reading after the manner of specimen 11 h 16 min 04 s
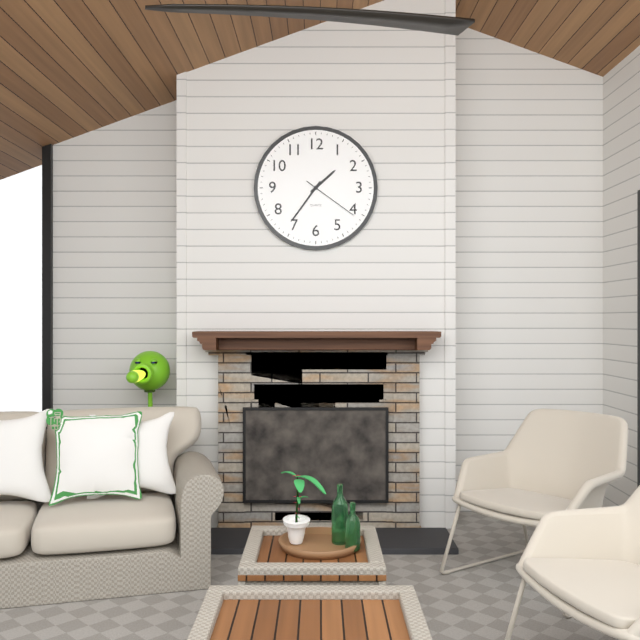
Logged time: 1 h 36 min 21 s
